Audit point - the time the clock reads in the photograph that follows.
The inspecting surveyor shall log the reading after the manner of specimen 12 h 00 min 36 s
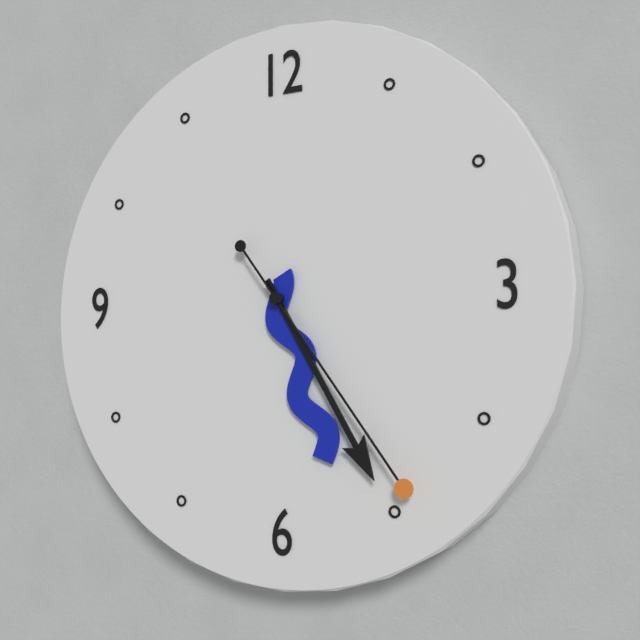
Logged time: 5 h 25 min 24 s
